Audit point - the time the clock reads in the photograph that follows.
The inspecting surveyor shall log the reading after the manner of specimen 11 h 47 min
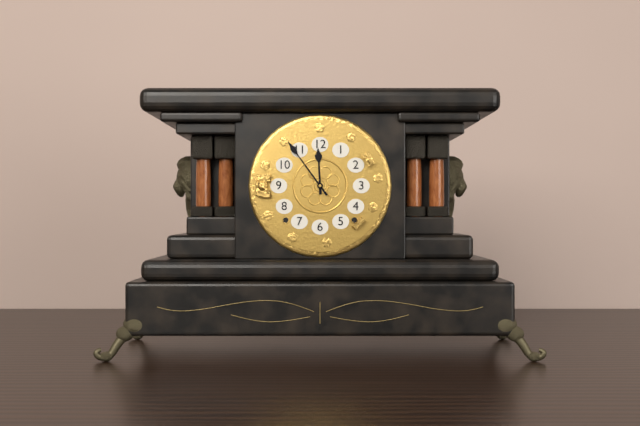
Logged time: 11 h 54 min
